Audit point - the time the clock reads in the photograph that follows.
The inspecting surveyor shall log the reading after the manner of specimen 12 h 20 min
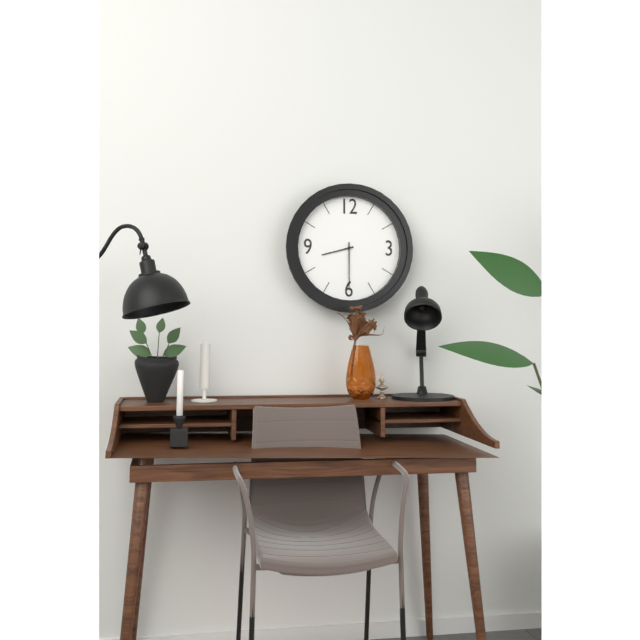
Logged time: 8 h 30 min
